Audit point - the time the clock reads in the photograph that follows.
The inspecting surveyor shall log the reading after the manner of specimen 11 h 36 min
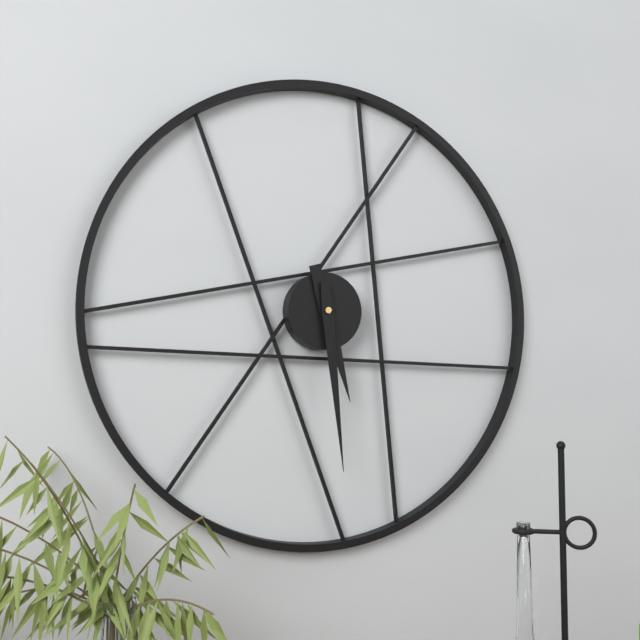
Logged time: 5 h 29 min
